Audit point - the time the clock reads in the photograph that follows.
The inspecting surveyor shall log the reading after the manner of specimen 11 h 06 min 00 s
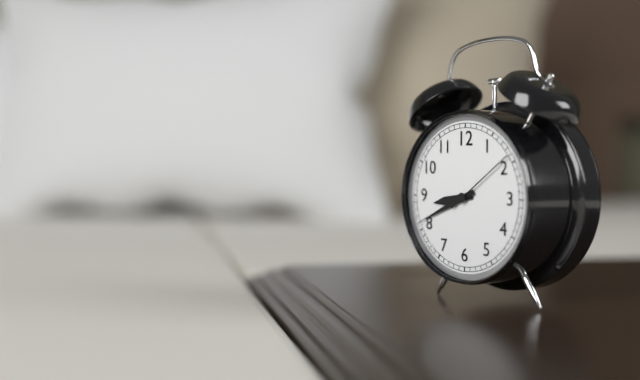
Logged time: 8 h 41 min 09 s
